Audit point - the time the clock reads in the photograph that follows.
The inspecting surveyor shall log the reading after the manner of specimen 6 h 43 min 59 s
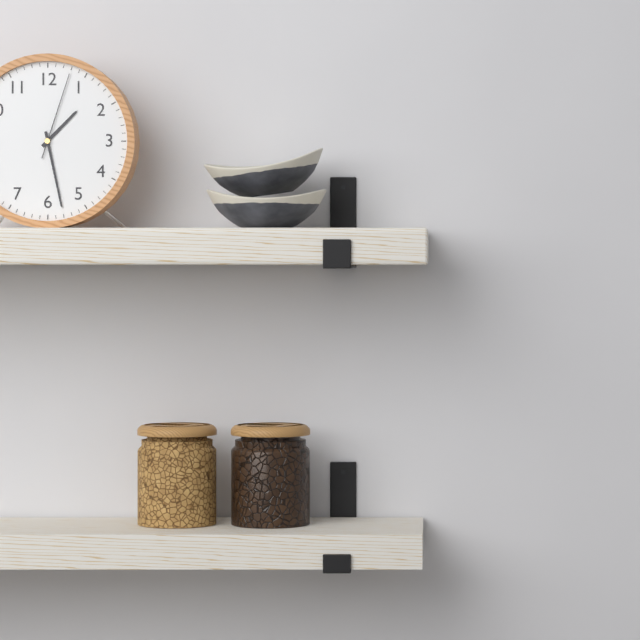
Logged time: 1 h 28 min 03 s
